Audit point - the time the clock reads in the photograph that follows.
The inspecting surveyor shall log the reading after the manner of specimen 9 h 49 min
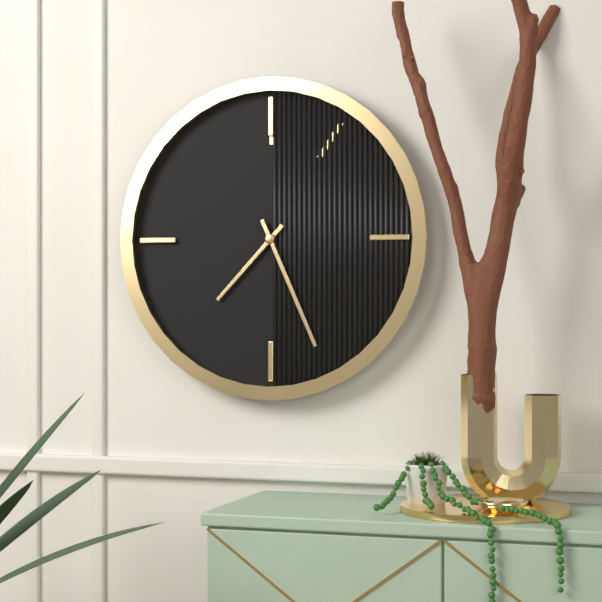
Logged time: 7 h 26 min
